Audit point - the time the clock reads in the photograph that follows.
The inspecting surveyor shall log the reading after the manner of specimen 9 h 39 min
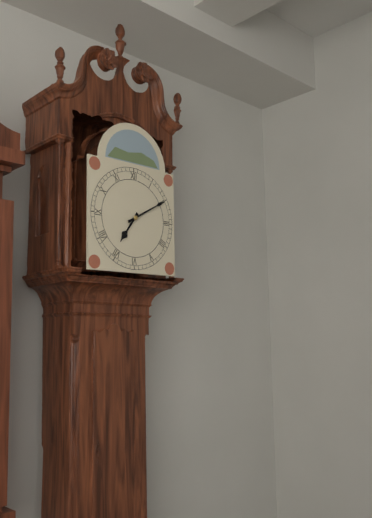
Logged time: 7 h 10 min
